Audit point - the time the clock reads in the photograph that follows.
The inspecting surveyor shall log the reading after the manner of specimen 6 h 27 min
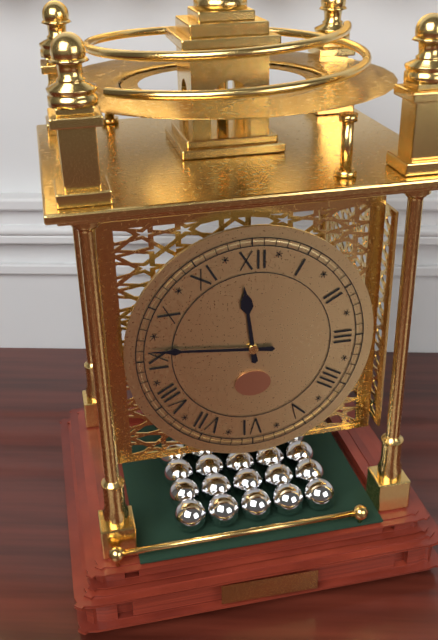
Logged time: 11 h 46 min
